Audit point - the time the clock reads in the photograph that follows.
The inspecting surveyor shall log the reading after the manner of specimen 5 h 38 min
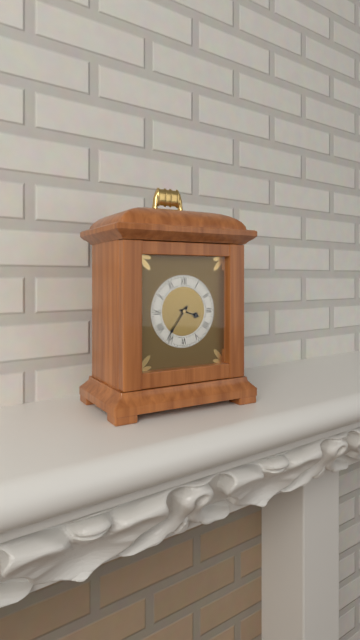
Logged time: 3 h 36 min
